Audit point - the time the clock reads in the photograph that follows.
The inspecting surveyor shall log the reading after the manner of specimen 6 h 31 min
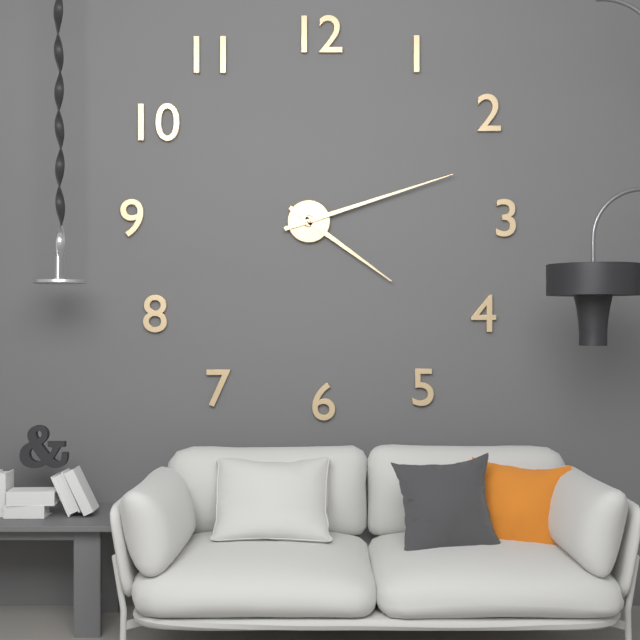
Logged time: 4 h 12 min
